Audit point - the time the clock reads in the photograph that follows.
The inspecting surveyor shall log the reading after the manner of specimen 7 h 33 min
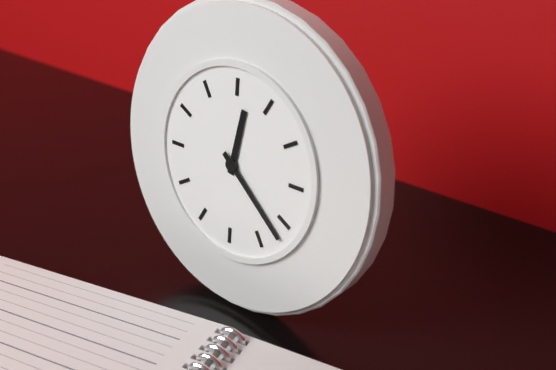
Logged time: 12 h 22 min
